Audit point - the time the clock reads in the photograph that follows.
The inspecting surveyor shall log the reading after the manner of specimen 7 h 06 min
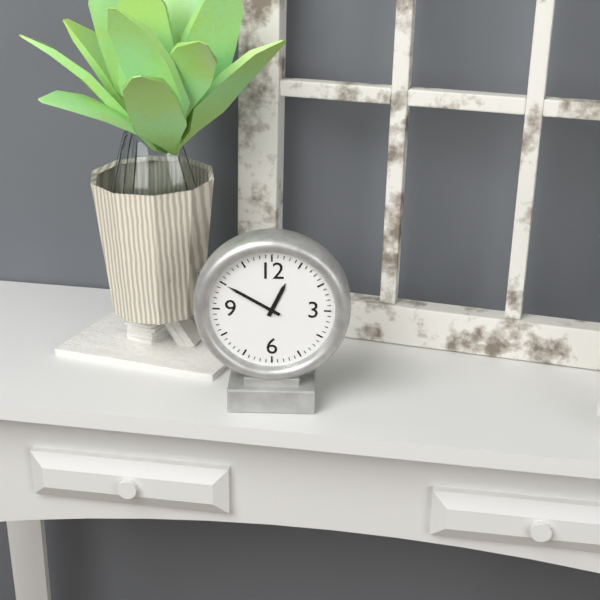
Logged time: 12 h 50 min
